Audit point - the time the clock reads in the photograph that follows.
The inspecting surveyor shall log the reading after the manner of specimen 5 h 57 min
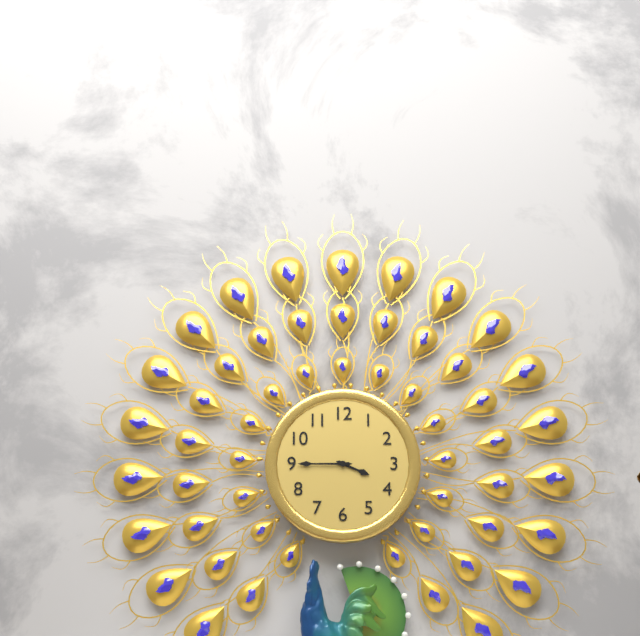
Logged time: 3 h 45 min
